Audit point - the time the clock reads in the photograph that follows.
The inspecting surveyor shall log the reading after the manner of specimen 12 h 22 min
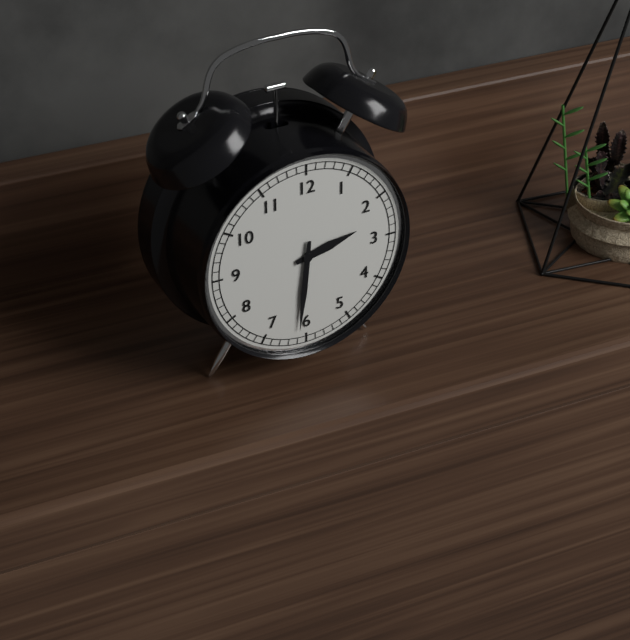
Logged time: 2 h 31 min
